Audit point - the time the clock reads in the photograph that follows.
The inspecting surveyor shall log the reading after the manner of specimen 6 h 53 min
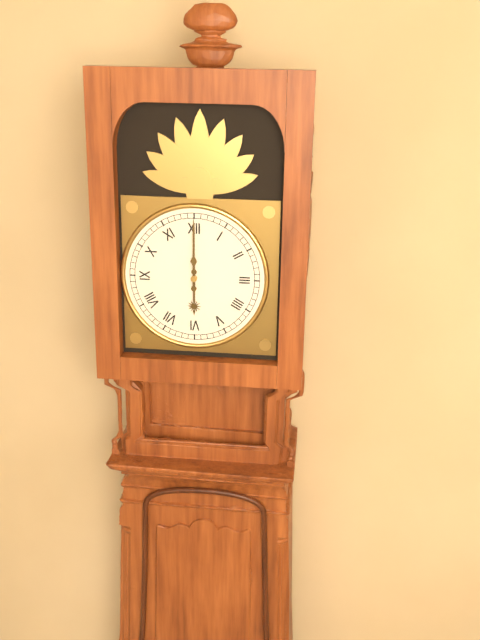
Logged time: 6 h 00 min
